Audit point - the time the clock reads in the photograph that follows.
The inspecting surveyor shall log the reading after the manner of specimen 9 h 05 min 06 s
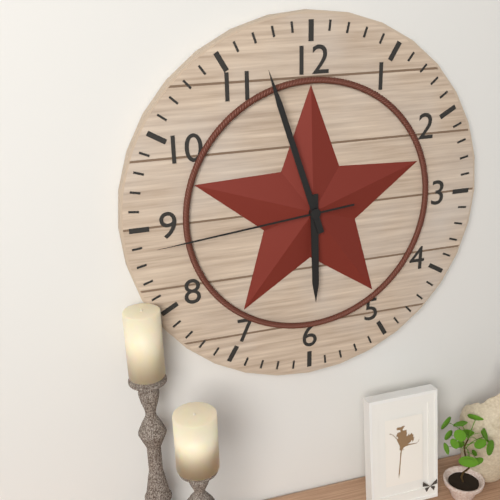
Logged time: 5 h 57 min 44 s
